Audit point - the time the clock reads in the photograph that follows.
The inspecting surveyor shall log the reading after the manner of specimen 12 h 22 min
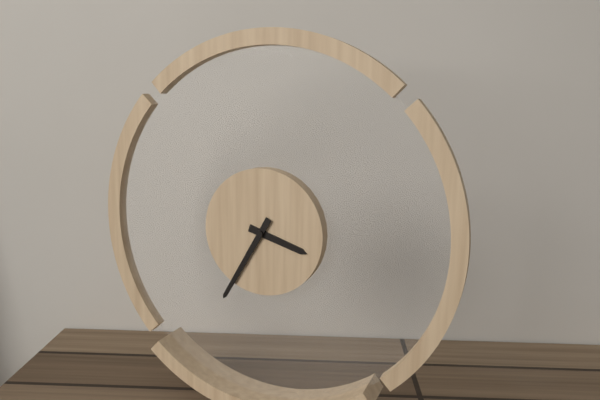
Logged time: 3 h 35 min
